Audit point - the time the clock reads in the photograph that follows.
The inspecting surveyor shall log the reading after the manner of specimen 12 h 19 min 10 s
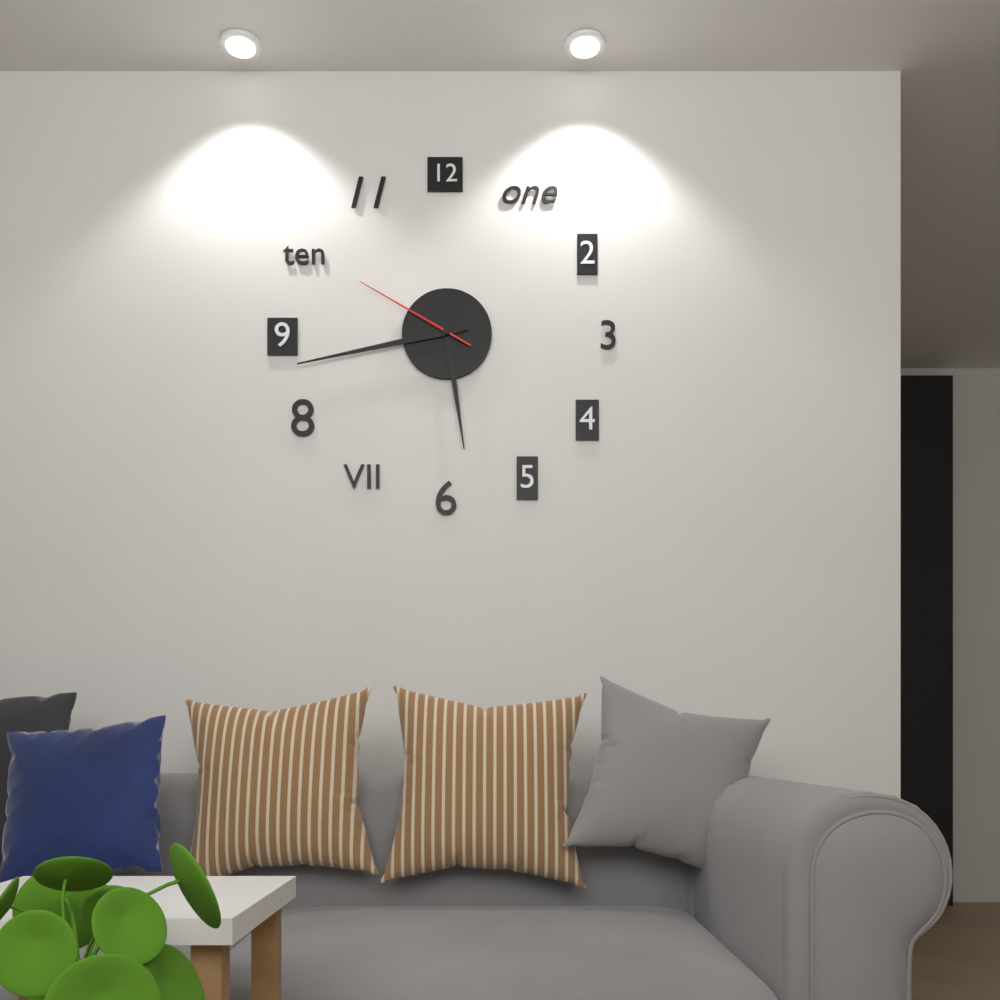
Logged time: 5 h 43 min 50 s
